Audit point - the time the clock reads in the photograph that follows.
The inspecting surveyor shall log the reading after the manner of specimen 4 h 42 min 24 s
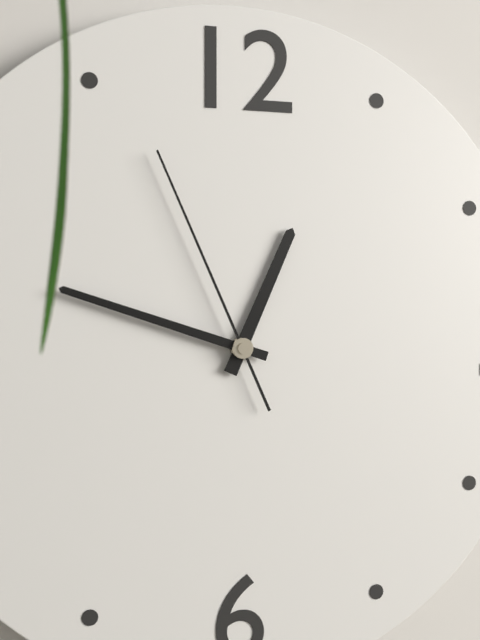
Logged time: 12 h 48 min 56 s
